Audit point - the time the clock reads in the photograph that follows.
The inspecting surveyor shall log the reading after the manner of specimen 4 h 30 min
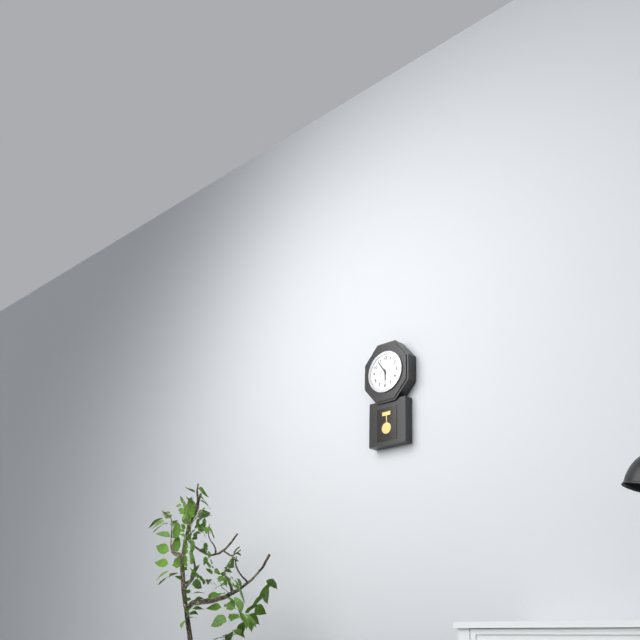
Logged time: 5 h 54 min
